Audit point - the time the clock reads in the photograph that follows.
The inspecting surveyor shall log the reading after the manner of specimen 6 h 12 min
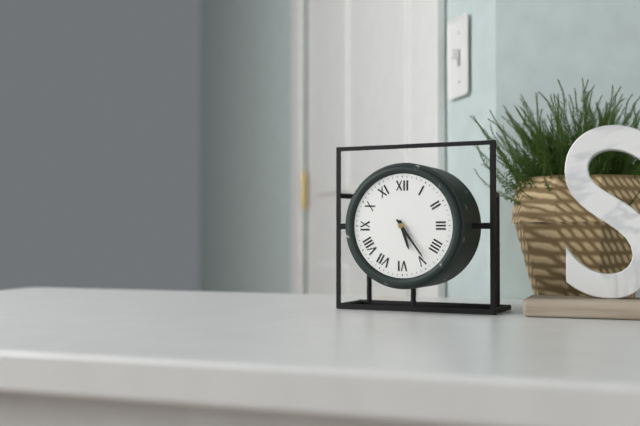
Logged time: 5 h 24 min
